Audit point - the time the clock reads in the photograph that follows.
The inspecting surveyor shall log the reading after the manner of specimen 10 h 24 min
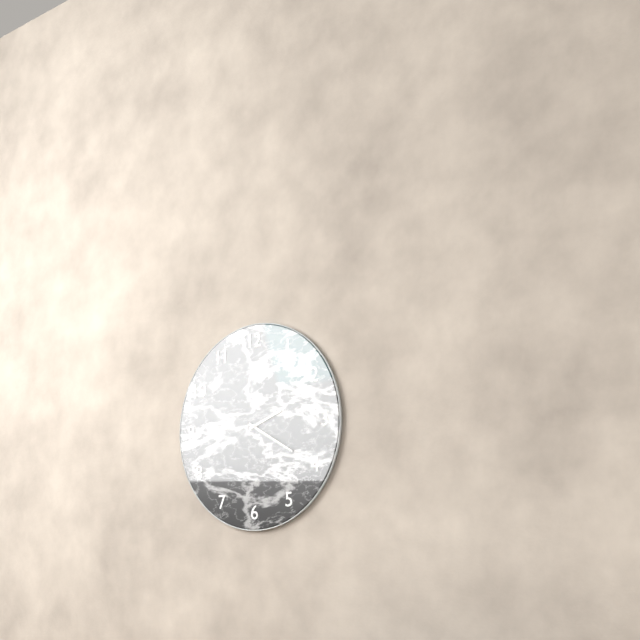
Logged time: 2 h 20 min
